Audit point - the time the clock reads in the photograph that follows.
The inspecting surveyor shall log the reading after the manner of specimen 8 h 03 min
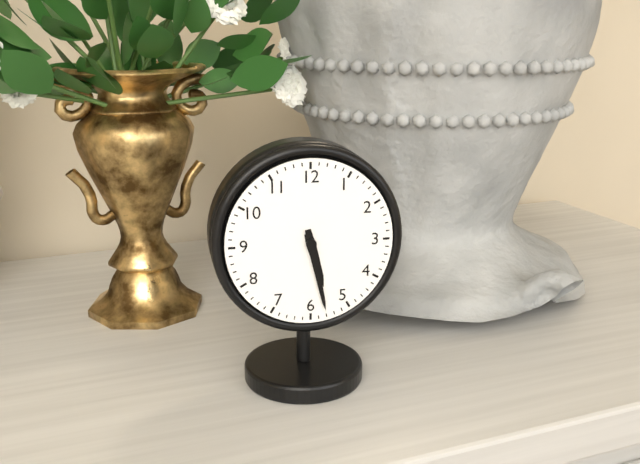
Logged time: 5 h 28 min
